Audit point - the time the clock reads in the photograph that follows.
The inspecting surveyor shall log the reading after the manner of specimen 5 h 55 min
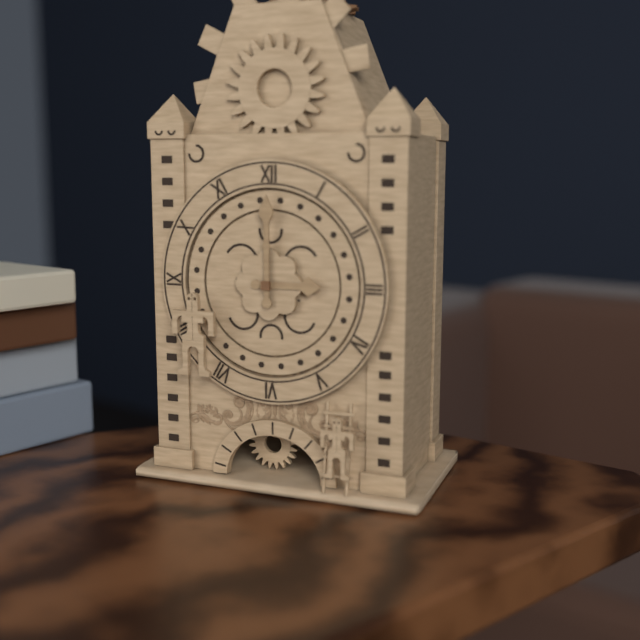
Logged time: 3 h 00 min
